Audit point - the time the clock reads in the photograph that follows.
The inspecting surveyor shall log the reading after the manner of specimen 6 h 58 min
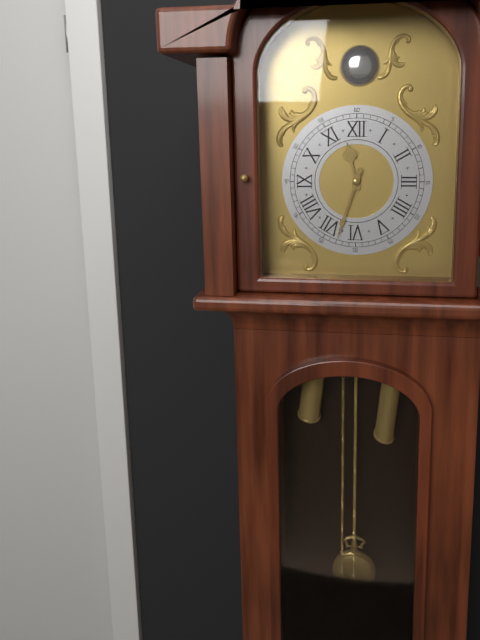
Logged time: 11 h 33 min
